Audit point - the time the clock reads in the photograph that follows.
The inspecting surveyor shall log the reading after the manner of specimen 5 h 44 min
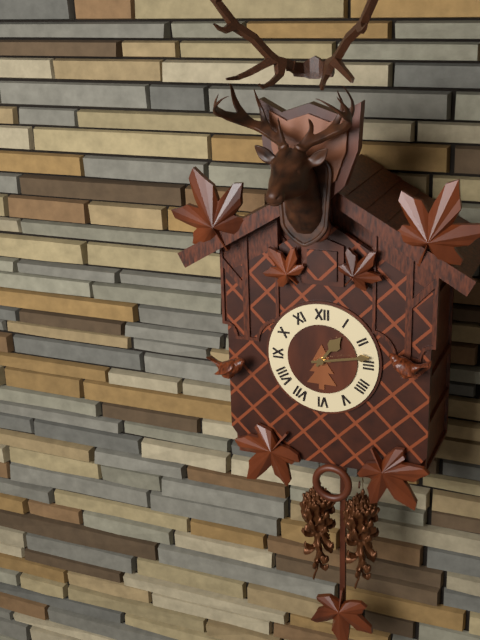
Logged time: 1 h 13 min
